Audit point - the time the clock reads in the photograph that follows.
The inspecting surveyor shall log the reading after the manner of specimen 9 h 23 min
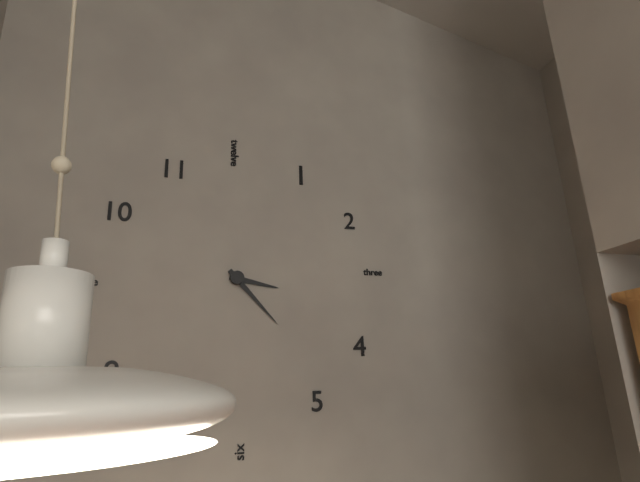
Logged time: 3 h 23 min
